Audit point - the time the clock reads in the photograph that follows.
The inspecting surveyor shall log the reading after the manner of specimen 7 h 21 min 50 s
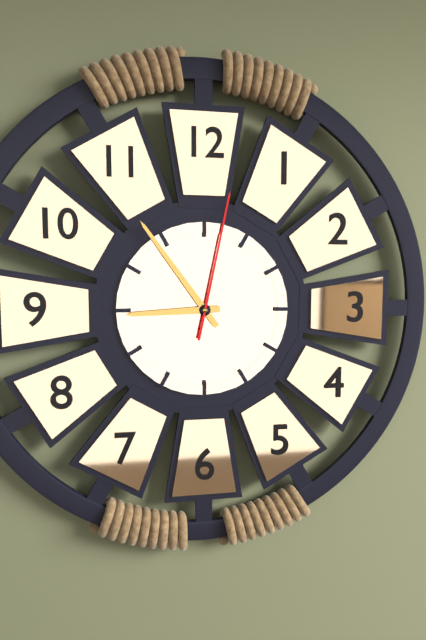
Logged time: 8 h 54 min 02 s
